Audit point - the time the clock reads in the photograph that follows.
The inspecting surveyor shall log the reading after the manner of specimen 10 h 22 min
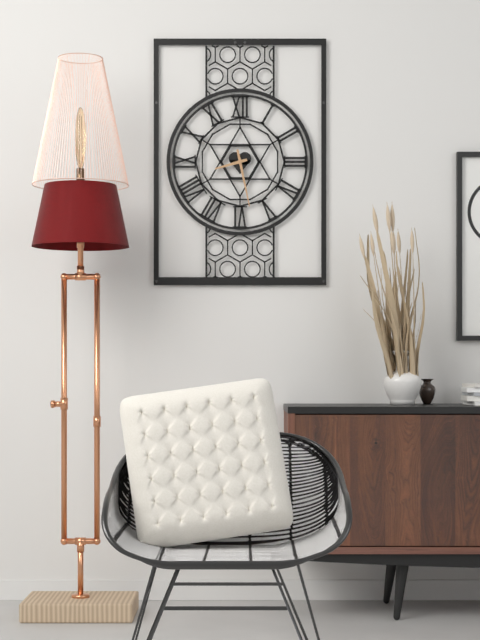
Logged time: 8 h 28 min
